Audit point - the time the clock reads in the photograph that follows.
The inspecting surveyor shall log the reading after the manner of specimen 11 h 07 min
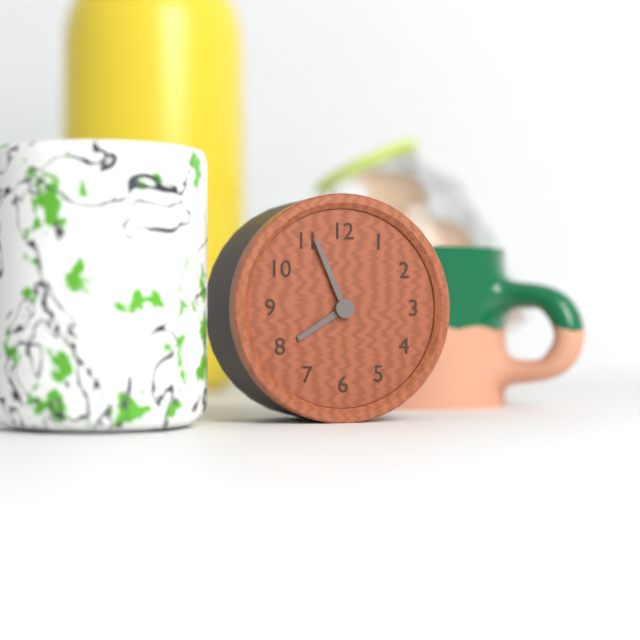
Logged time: 7 h 56 min
